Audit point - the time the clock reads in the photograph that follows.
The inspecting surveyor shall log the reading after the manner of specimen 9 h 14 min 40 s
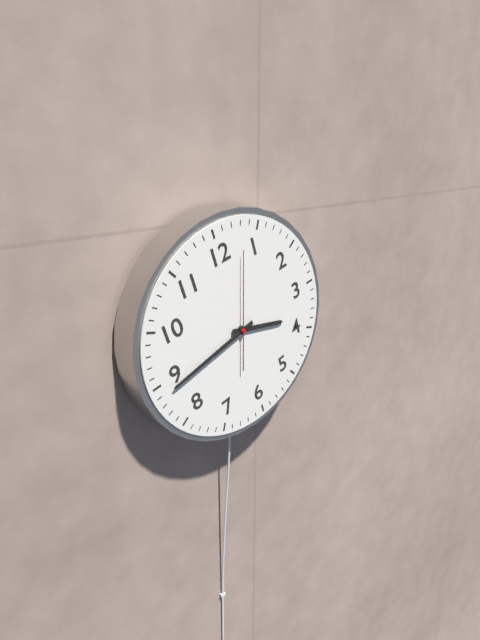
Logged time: 3 h 44 min 03 s
